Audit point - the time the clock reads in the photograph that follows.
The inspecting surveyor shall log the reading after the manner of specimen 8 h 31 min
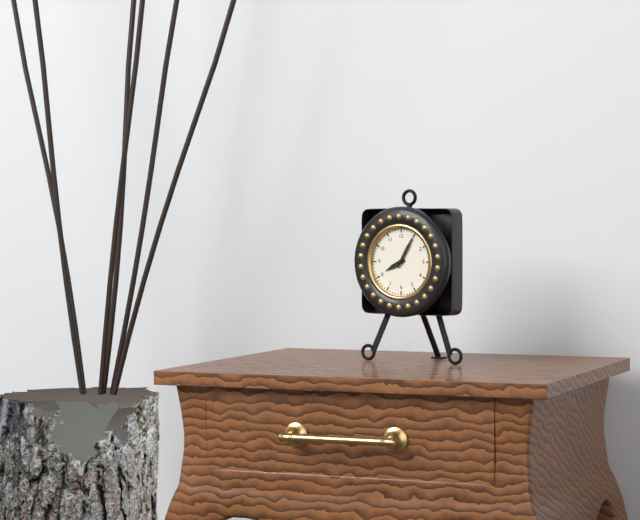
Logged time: 8 h 05 min
